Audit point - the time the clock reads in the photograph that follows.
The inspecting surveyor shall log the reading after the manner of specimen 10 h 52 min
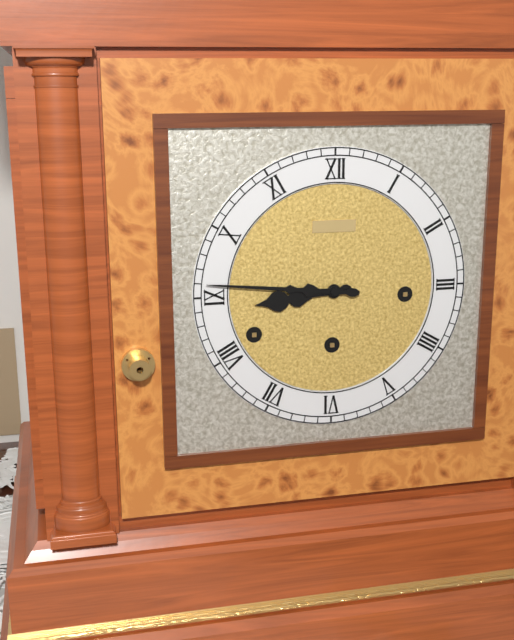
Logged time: 8 h 46 min
